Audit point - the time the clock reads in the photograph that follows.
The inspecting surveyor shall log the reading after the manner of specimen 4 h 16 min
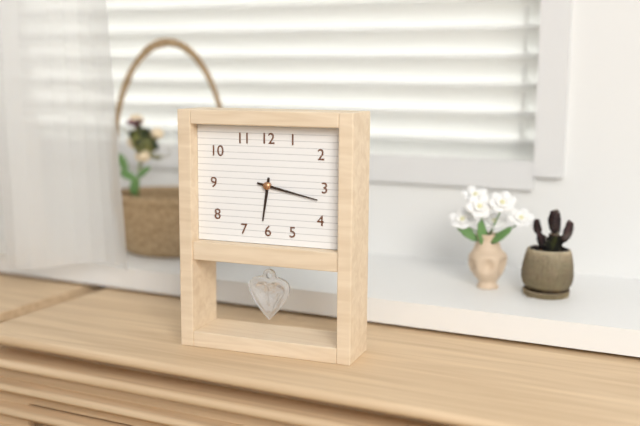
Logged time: 6 h 17 min
